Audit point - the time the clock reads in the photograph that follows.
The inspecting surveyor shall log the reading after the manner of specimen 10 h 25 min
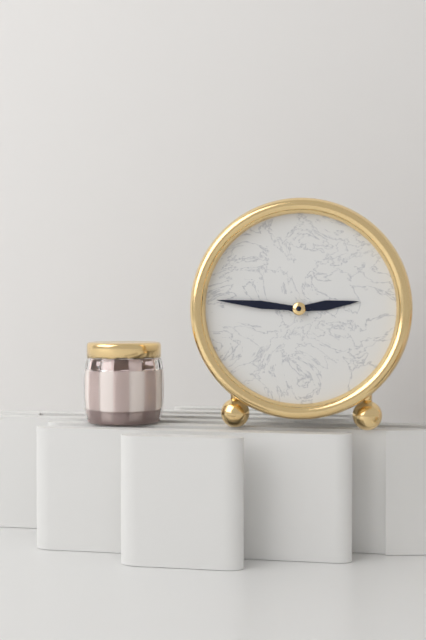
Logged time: 2 h 46 min
